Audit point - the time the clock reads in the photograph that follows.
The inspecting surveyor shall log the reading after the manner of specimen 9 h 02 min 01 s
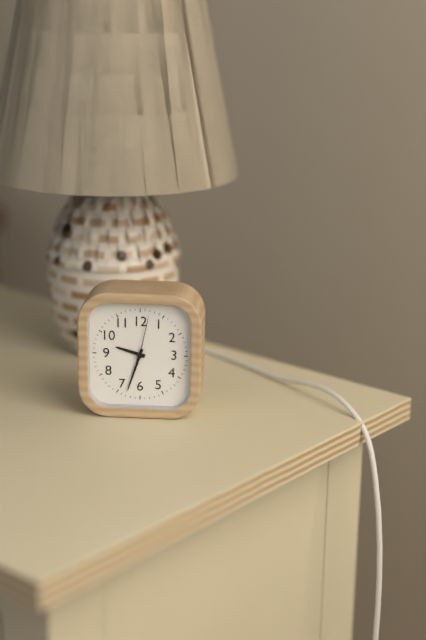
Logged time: 9 h 33 min 02 s
